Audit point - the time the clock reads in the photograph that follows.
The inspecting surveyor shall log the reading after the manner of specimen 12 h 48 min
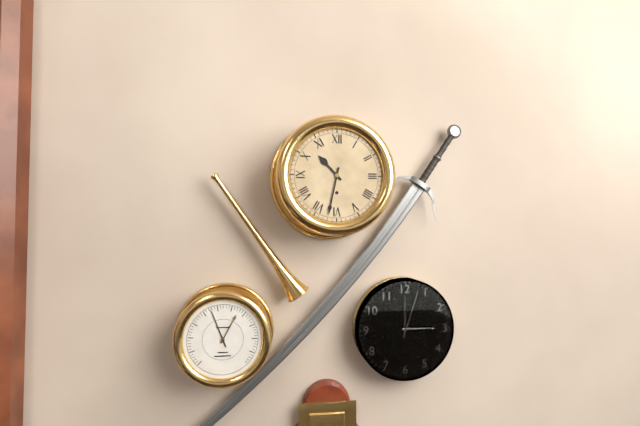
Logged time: 10 h 32 min
